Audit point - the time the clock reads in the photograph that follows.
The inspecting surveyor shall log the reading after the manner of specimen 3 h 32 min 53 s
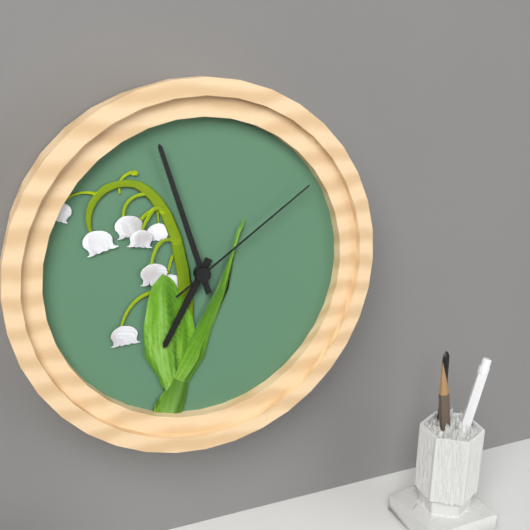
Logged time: 6 h 57 min 09 s
